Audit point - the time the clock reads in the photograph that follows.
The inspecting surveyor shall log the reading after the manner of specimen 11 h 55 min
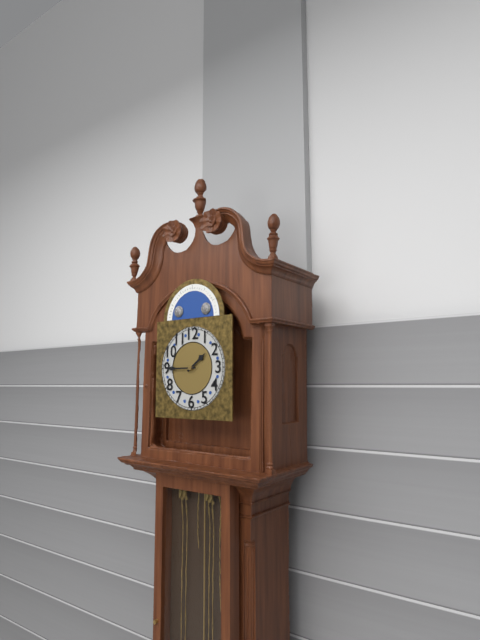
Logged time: 1 h 45 min
